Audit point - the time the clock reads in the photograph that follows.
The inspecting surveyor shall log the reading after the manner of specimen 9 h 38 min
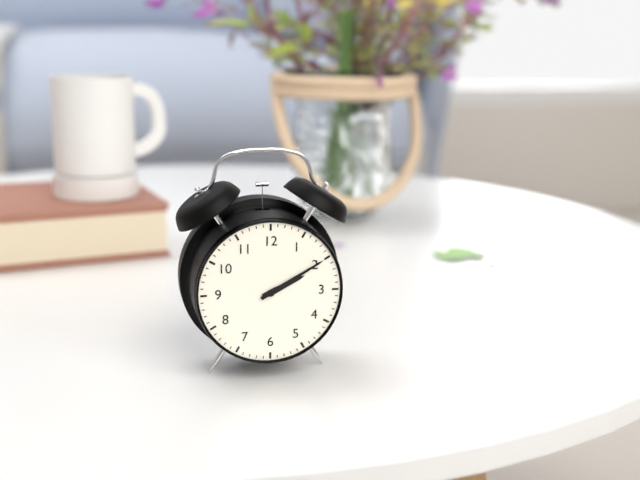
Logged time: 2 h 10 min
